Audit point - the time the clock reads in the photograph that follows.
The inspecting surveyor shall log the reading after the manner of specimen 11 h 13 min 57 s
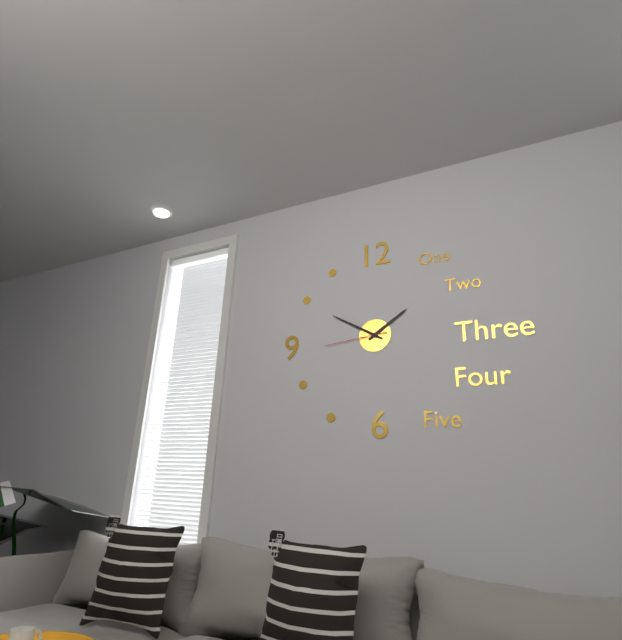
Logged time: 1 h 50 min 44 s
